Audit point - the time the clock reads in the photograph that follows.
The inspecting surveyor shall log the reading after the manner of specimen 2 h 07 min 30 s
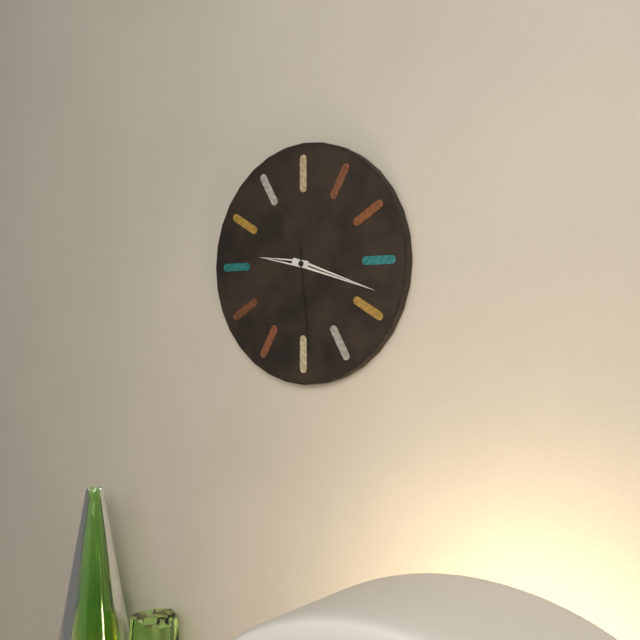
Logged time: 9 h 18 min 29 s
